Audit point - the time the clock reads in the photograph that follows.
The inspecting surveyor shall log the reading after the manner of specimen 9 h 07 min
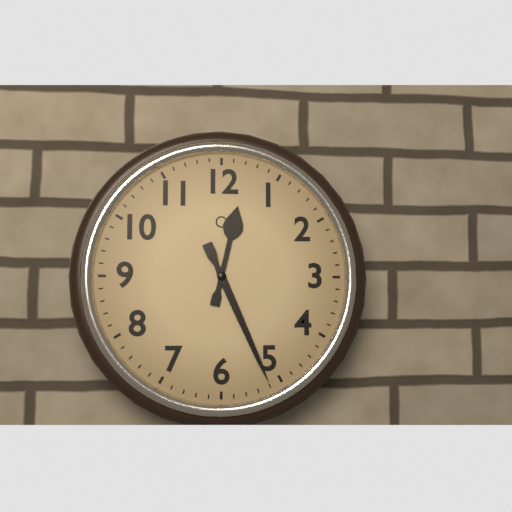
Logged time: 12 h 26 min
